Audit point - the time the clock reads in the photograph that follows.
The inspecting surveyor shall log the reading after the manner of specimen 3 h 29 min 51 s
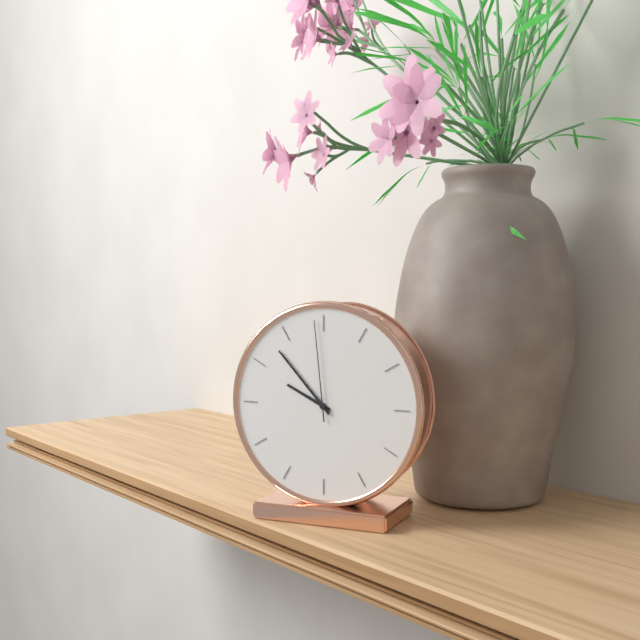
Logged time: 9 h 53 min 59 s
